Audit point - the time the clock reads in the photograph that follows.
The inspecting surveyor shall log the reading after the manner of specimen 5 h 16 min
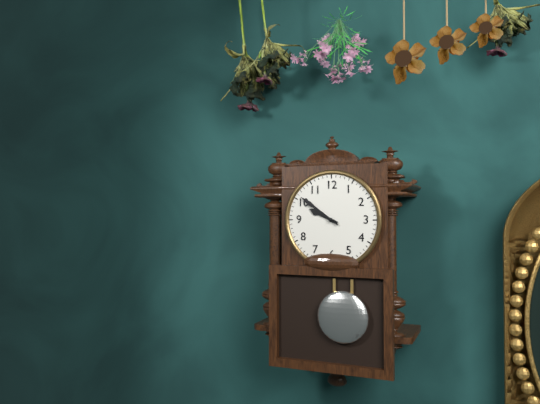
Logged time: 9 h 51 min
